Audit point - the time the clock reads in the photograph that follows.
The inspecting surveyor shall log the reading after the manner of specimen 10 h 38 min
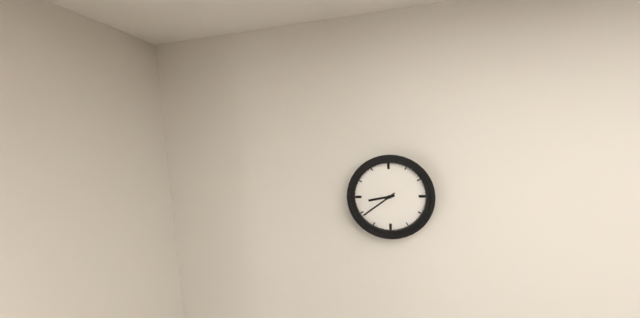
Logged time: 8 h 39 min
